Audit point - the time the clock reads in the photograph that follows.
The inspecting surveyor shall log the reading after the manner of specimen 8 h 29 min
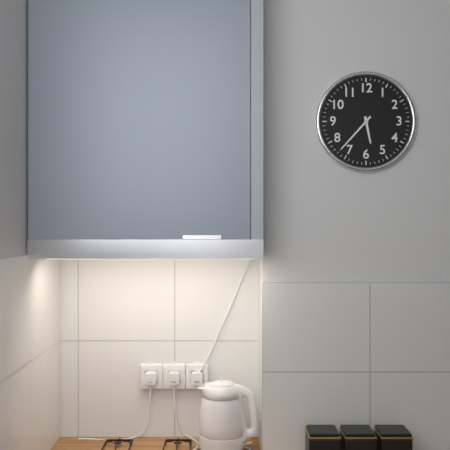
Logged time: 5 h 37 min
